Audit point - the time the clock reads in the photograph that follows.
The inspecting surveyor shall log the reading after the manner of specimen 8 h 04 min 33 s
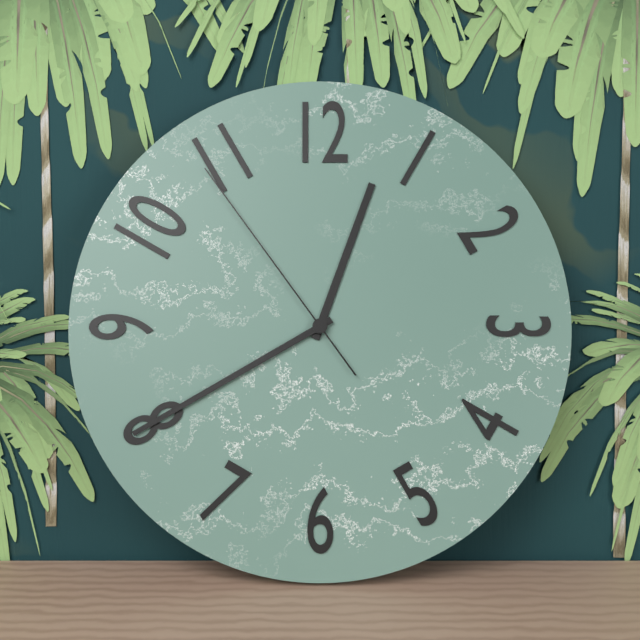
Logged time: 12 h 40 min 54 s
